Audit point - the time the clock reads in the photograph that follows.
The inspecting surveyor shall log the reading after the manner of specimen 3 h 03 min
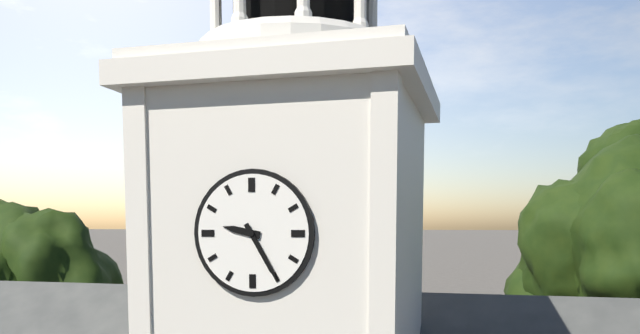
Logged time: 9 h 25 min
